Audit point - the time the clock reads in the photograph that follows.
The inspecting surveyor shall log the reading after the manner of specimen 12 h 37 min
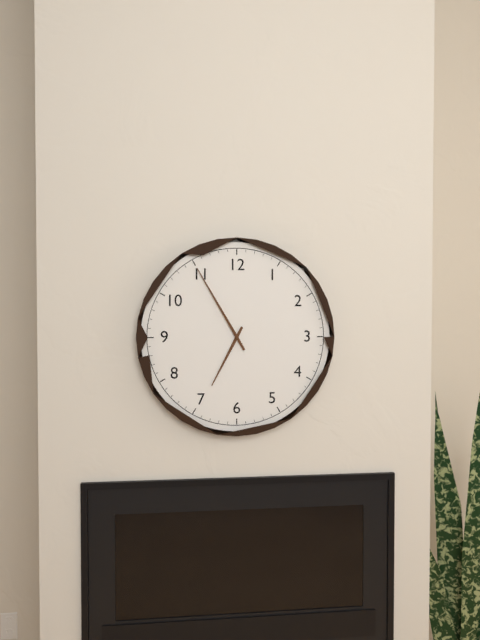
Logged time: 6 h 55 min
